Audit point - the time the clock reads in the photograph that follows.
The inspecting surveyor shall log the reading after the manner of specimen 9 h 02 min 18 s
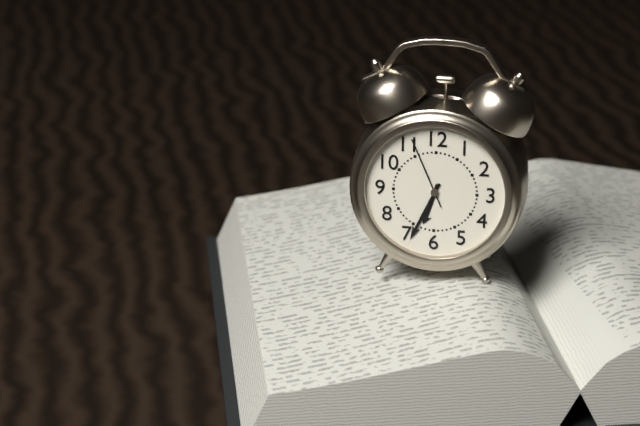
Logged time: 6 h 34 min 56 s
